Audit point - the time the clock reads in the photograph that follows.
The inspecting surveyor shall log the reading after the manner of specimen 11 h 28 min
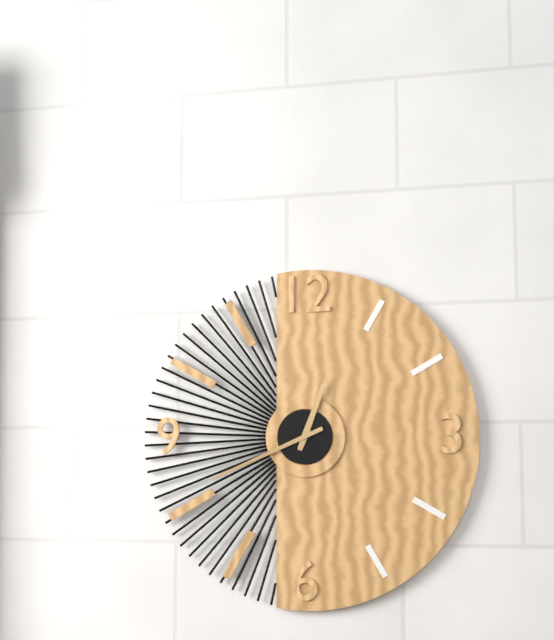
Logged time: 12 h 41 min
